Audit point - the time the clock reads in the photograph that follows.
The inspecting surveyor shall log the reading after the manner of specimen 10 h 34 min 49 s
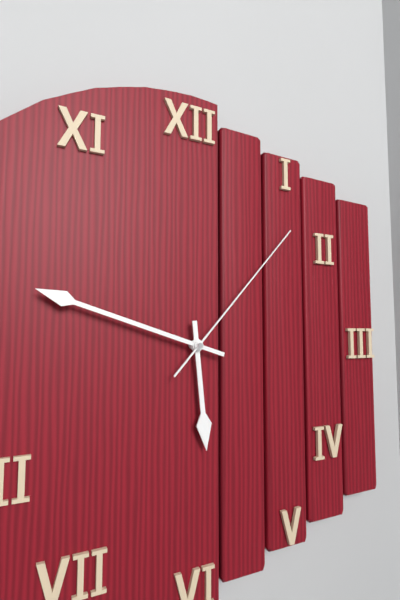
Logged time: 5 h 48 min 07 s
